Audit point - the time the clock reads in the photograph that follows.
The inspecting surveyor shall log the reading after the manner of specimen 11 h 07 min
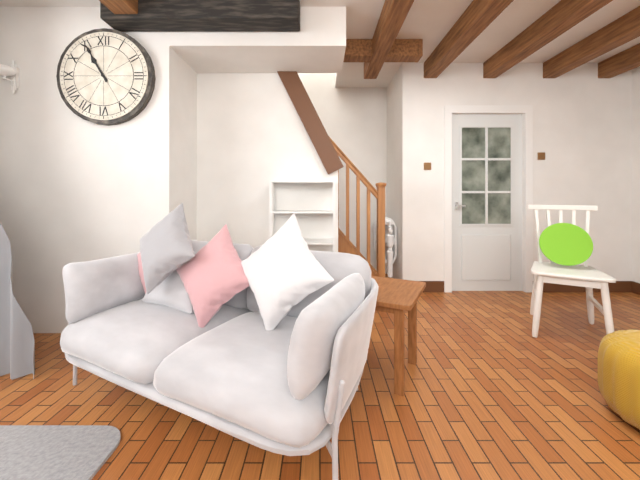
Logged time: 10 h 55 min
